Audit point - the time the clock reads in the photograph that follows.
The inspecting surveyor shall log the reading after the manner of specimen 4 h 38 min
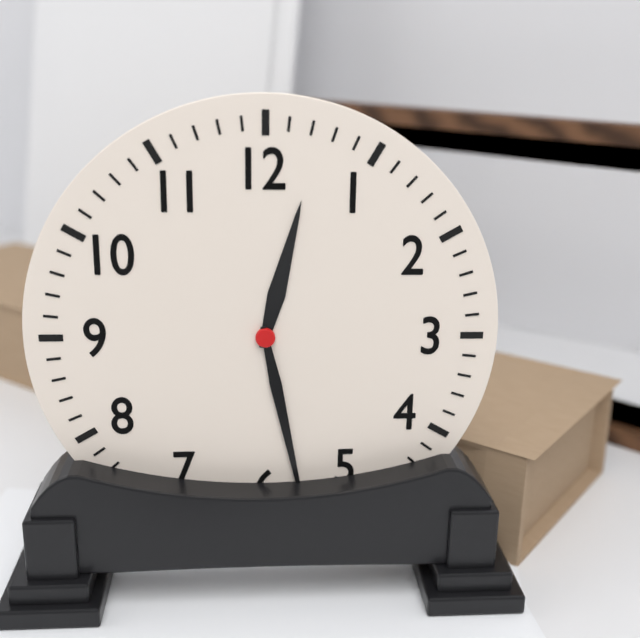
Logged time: 12 h 28 min
